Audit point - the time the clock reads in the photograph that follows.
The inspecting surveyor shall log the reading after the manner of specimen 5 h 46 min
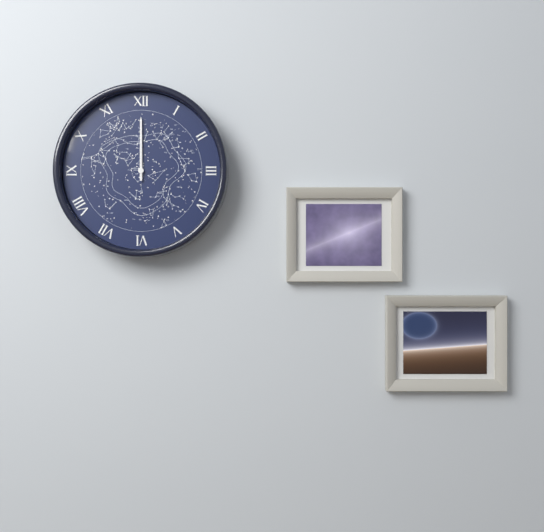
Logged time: 12 h 00 min
